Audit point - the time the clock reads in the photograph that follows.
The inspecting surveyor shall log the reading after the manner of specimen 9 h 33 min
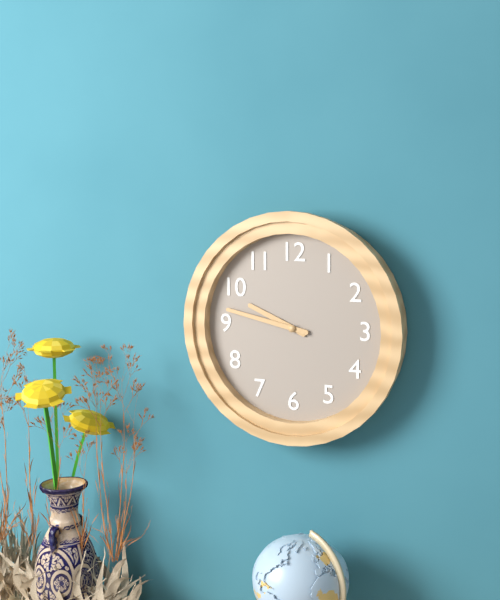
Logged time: 9 h 47 min
